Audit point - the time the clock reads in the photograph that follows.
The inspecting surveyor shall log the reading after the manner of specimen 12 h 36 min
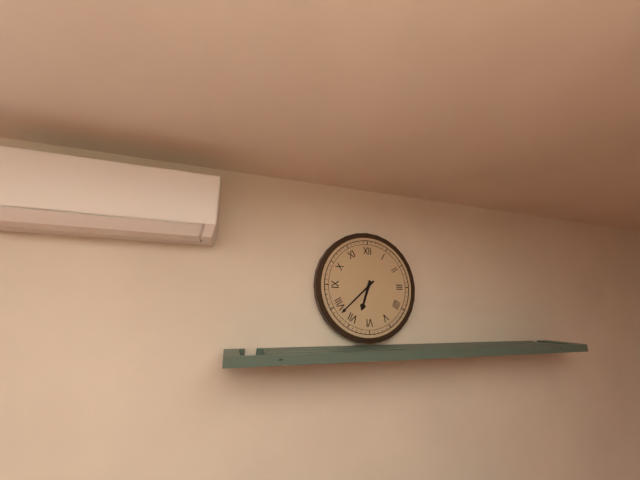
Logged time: 6 h 38 min
